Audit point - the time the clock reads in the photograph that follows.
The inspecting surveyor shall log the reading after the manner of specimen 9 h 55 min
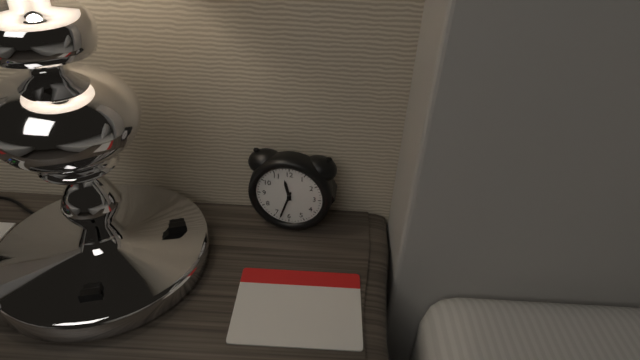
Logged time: 11 h 33 min
